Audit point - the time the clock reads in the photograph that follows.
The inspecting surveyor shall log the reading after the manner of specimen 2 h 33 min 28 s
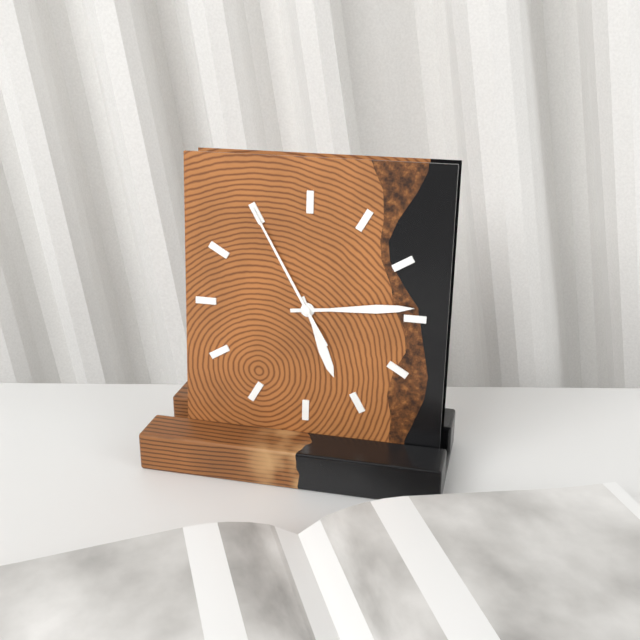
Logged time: 5 h 14 min 55 s
